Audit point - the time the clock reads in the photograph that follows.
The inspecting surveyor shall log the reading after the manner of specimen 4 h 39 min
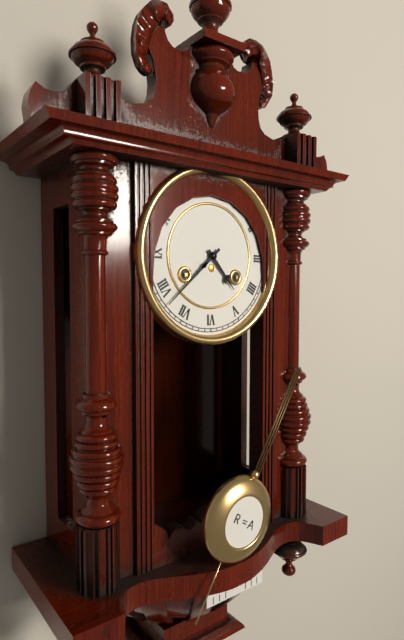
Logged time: 4 h 38 min
